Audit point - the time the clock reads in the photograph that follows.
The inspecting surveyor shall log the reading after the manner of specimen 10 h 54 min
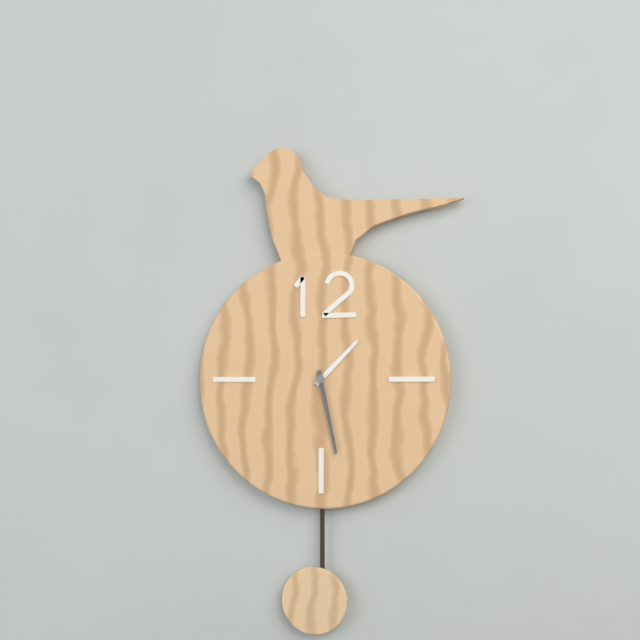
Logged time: 1 h 28 min
